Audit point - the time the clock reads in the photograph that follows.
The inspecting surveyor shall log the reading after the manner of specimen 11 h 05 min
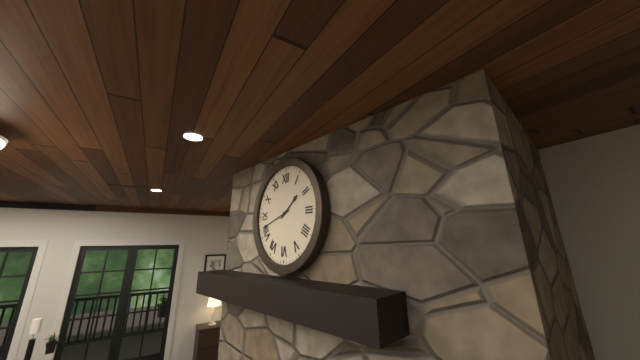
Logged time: 1 h 42 min
